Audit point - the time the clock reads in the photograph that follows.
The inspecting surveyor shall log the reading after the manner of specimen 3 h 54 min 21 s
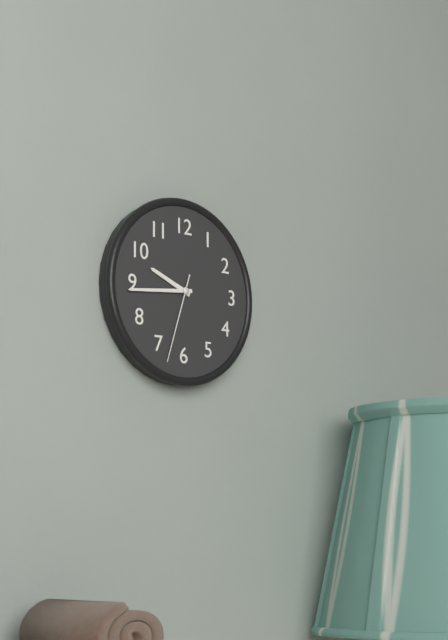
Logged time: 9 h 44 min 33 s
